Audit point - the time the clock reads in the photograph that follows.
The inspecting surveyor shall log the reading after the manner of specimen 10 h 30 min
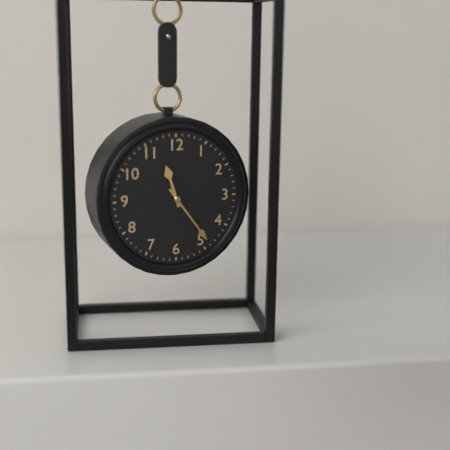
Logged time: 11 h 24 min
